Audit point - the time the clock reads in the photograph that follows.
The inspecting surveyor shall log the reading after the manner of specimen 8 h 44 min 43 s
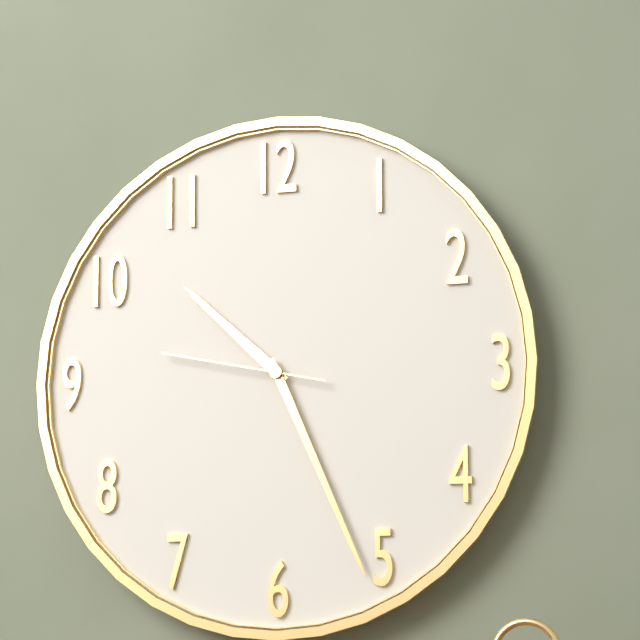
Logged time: 10 h 26 min 47 s
